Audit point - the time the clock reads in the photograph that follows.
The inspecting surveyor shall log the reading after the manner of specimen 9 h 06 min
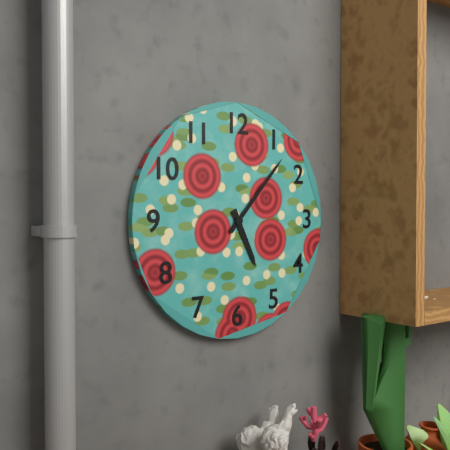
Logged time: 5 h 07 min
